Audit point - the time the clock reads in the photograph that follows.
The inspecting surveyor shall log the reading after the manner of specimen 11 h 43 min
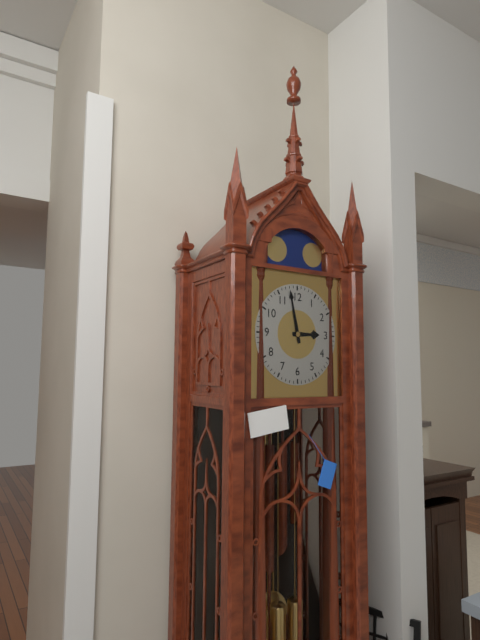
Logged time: 2 h 58 min
